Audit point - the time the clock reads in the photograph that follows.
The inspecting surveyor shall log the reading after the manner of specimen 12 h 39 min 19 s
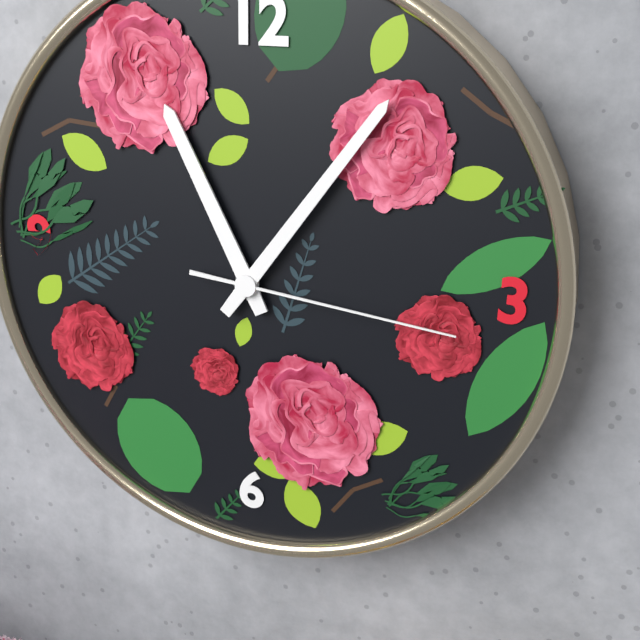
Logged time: 11 h 06 min 16 s
